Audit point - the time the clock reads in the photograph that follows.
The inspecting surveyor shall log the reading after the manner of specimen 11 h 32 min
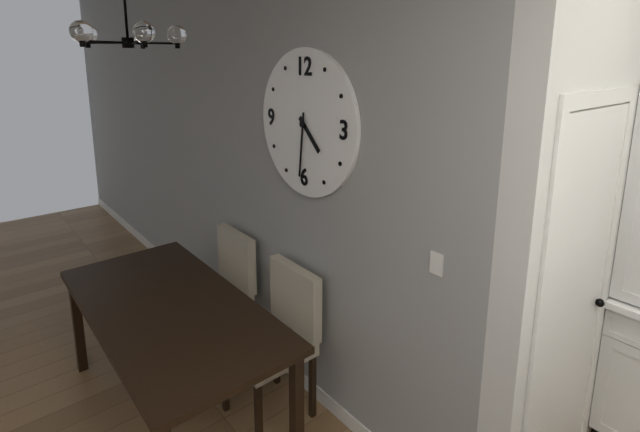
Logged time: 4 h 31 min
